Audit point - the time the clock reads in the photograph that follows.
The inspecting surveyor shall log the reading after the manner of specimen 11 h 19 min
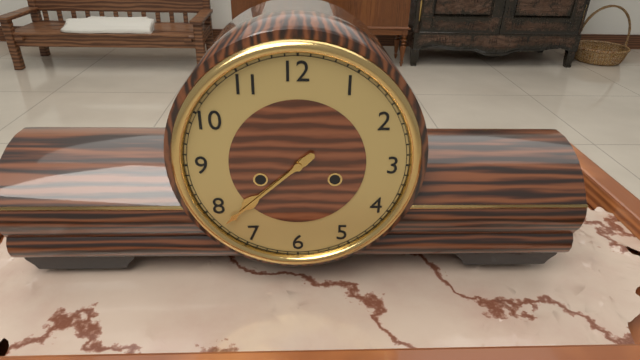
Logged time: 7 h 38 min
